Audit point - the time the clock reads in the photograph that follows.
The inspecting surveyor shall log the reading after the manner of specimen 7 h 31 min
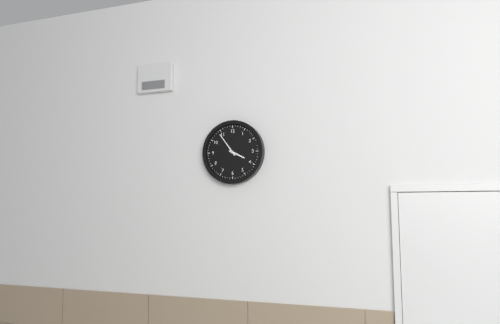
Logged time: 3 h 54 min
